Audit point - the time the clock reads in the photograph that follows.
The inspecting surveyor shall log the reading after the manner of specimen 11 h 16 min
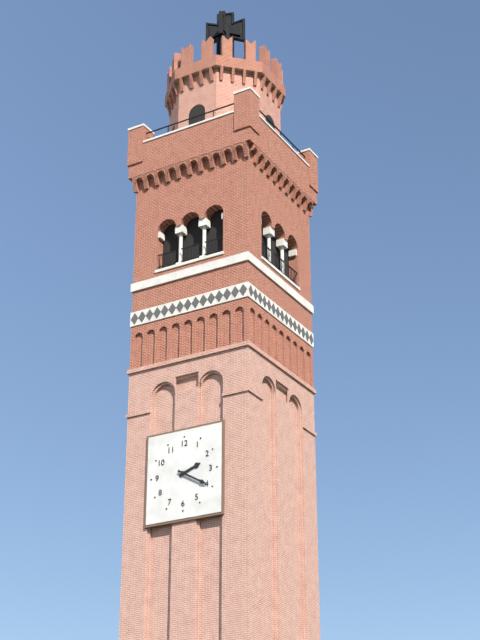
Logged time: 2 h 20 min
